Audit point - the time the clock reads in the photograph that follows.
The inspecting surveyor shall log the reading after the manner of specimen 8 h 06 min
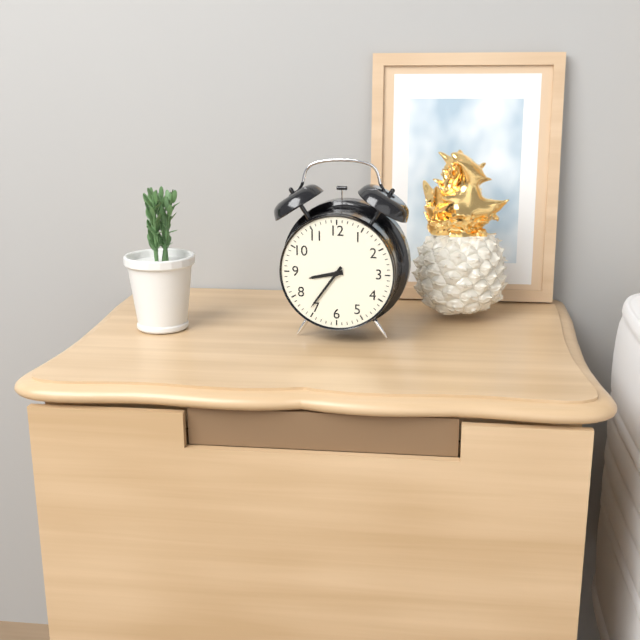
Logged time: 8 h 36 min
